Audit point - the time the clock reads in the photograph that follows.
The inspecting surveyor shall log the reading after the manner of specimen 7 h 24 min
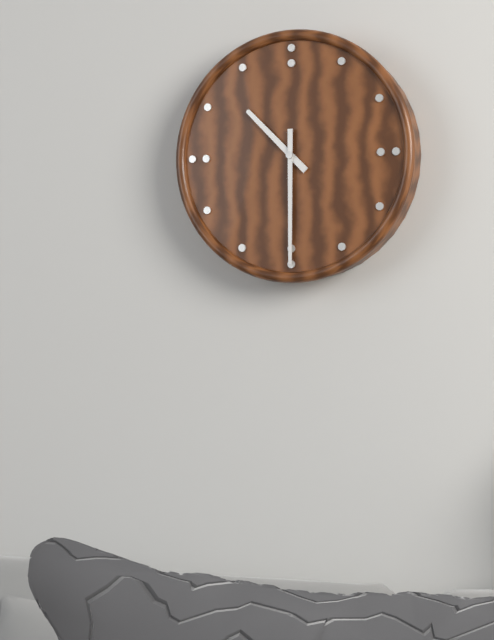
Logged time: 10 h 30 min
